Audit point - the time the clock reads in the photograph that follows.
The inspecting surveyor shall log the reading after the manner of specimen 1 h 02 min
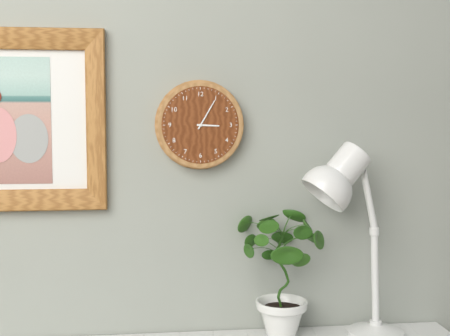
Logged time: 3 h 05 min
